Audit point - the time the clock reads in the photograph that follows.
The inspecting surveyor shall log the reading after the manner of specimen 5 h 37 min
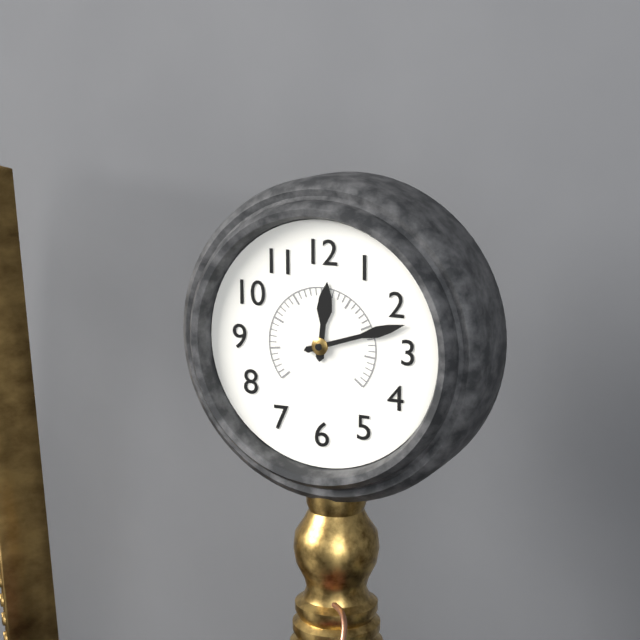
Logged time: 12 h 12 min
